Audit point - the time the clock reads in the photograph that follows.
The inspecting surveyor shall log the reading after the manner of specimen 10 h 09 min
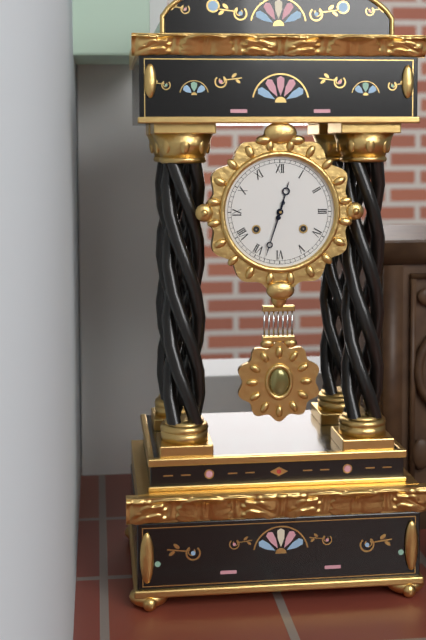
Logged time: 12 h 33 min
